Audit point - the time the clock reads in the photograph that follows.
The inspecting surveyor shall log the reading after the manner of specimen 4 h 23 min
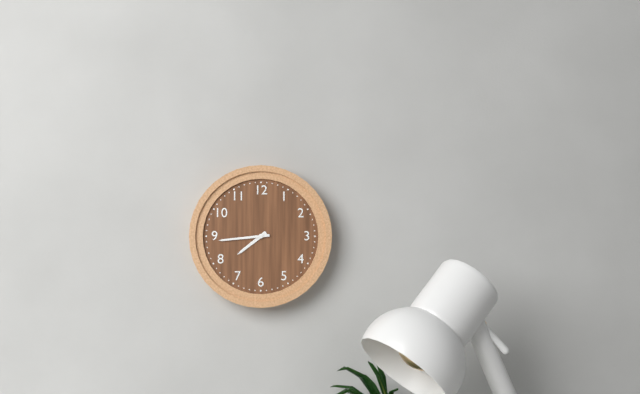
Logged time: 7 h 44 min
